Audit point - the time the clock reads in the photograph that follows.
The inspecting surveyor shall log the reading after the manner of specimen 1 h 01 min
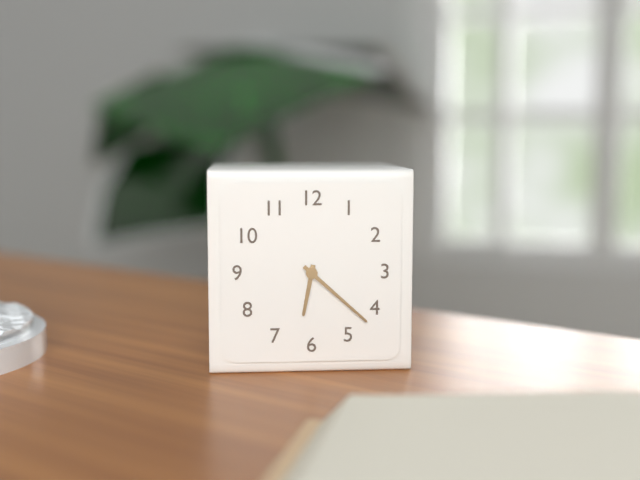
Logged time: 6 h 22 min
